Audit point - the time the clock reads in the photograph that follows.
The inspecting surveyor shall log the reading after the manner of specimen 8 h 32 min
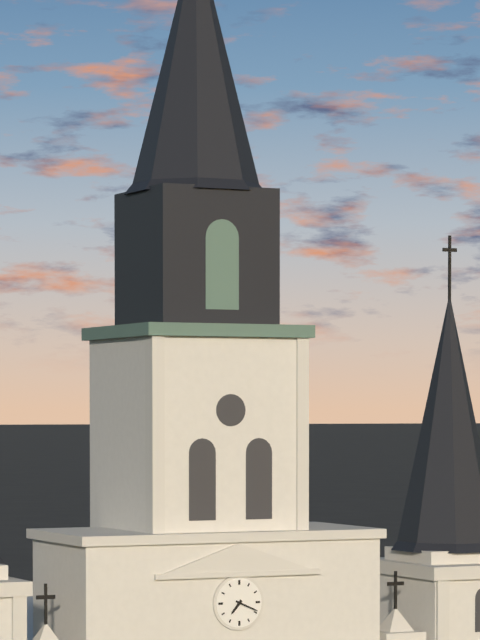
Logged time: 7 h 19 min
